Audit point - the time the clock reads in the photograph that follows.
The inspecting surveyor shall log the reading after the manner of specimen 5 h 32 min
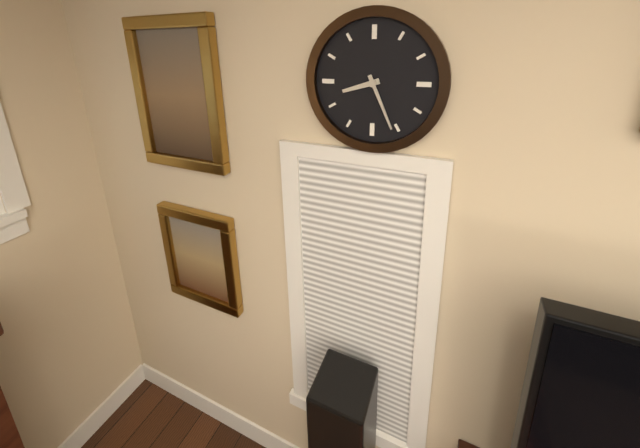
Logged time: 8 h 26 min
